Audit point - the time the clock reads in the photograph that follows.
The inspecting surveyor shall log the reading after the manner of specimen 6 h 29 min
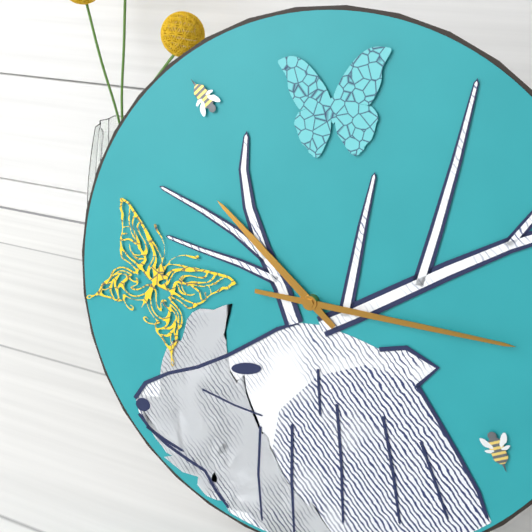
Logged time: 10 h 15 min
